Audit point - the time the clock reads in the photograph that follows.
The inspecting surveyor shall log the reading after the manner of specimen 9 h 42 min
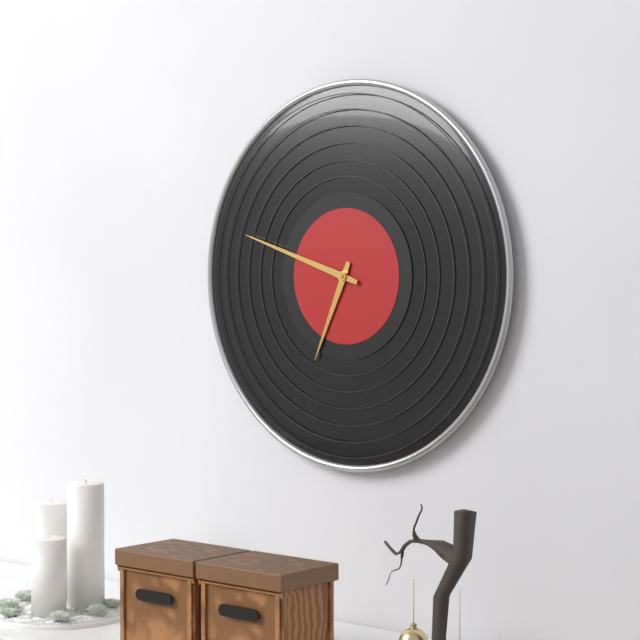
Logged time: 6 h 48 min
